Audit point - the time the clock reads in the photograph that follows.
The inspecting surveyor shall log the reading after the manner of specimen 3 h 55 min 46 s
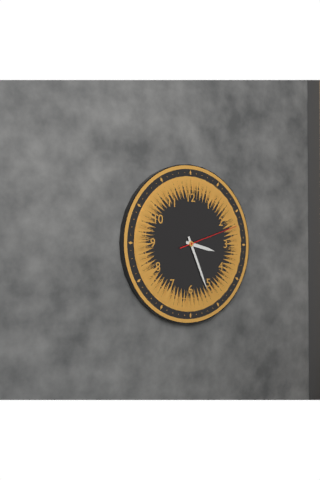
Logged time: 3 h 26 min 12 s
